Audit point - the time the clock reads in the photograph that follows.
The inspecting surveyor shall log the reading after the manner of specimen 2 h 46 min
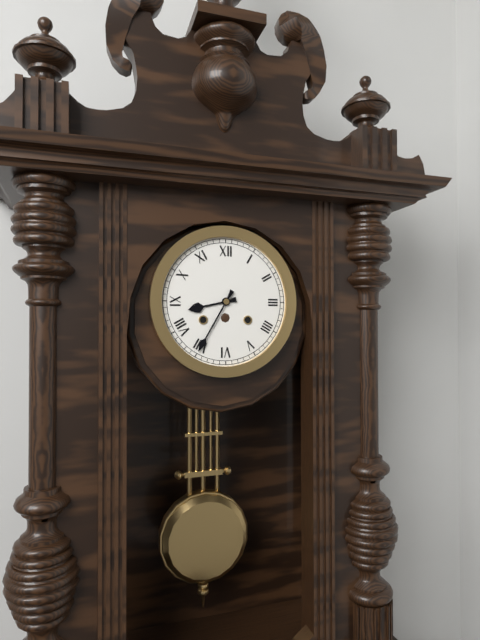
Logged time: 8 h 35 min
